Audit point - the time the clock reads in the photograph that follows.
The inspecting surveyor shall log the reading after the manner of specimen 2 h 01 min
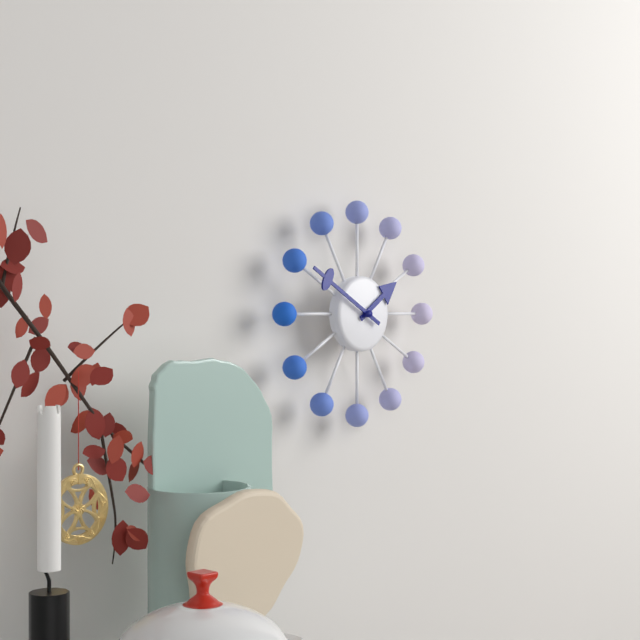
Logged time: 1 h 50 min
